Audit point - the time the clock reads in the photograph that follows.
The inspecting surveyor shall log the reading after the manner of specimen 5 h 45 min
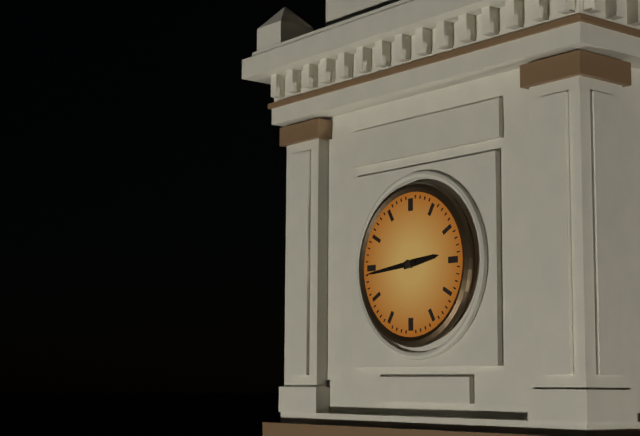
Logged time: 2 h 44 min
